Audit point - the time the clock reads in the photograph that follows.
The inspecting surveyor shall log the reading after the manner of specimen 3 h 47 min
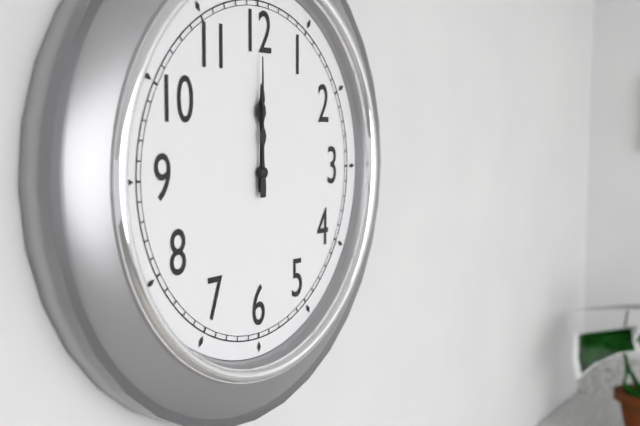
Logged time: 12 h 00 min
